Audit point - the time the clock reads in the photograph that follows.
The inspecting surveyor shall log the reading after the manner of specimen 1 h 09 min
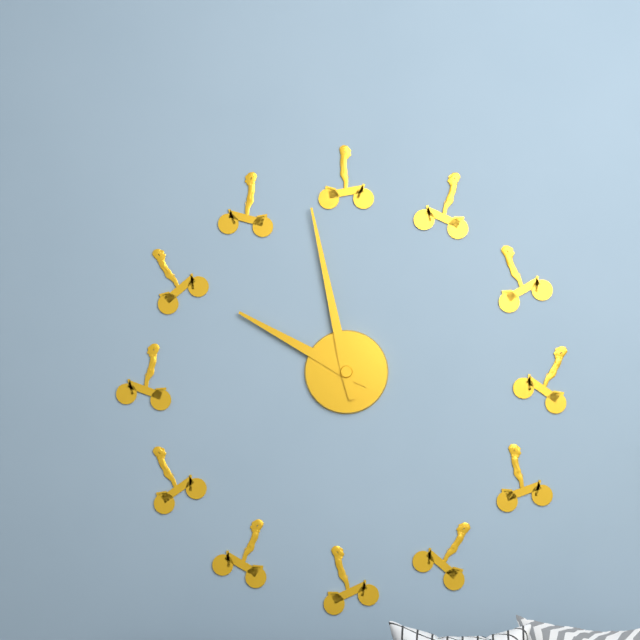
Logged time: 9 h 58 min
